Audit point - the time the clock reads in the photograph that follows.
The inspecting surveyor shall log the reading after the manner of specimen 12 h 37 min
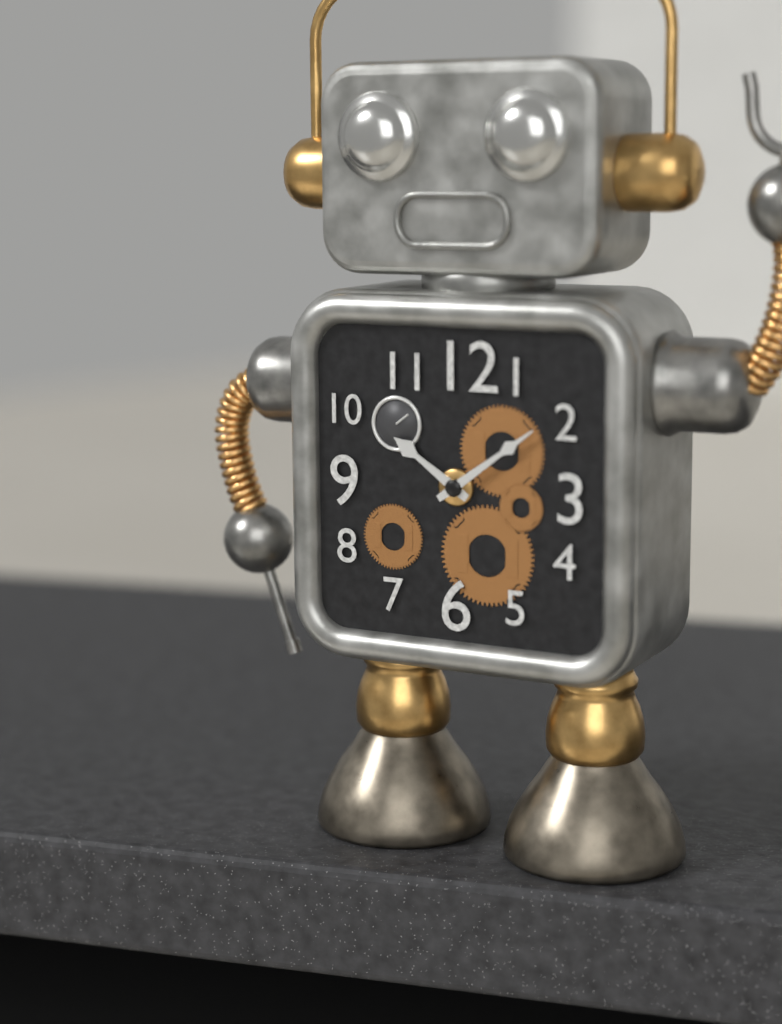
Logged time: 10 h 09 min
